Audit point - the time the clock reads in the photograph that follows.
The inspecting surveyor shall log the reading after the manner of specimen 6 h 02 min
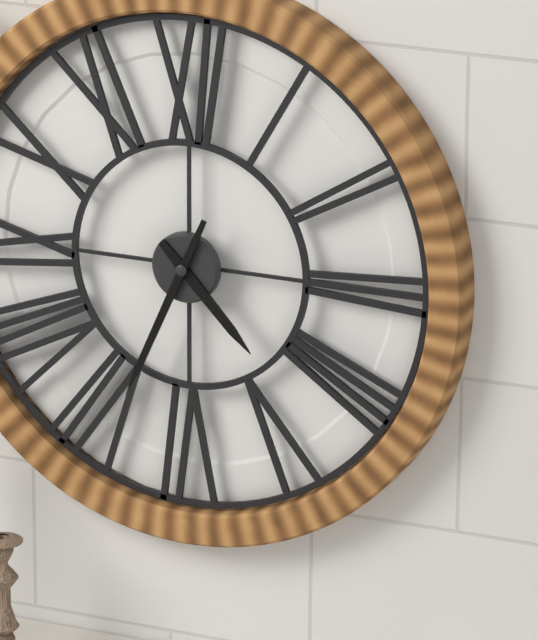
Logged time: 4 h 34 min
